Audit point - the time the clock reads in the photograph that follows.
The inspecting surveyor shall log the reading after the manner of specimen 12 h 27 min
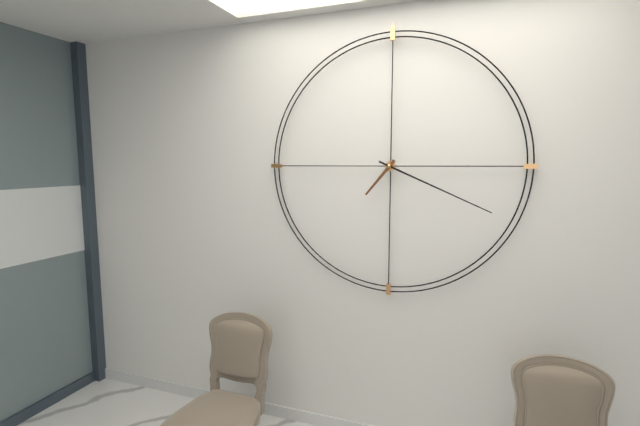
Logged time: 7 h 19 min
